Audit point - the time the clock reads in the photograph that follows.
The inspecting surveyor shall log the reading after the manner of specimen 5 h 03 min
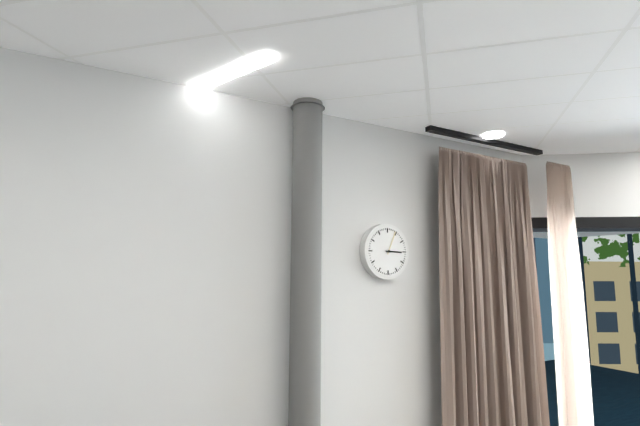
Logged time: 3 h 04 min
